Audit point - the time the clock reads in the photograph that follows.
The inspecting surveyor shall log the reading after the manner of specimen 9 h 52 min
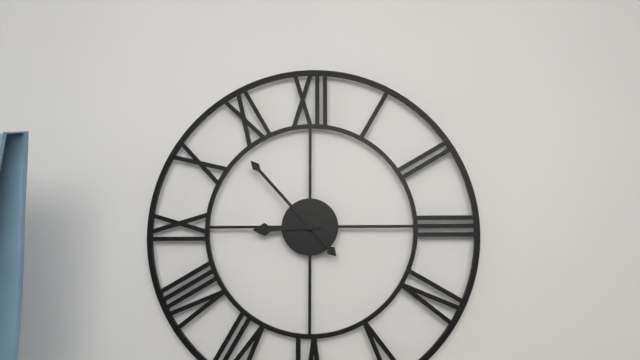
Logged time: 8 h 53 min
